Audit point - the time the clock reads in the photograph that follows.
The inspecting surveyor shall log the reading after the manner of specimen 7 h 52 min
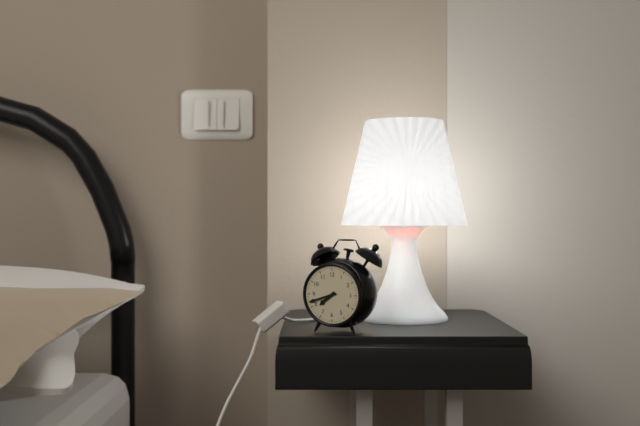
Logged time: 7 h 42 min
